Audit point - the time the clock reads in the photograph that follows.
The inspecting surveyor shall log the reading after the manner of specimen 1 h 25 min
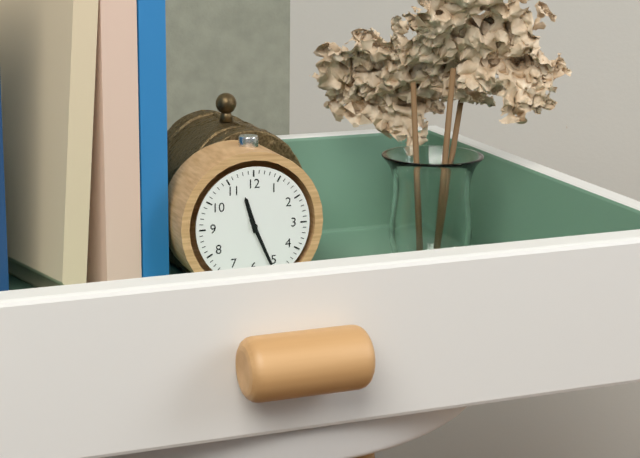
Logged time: 11 h 26 min
